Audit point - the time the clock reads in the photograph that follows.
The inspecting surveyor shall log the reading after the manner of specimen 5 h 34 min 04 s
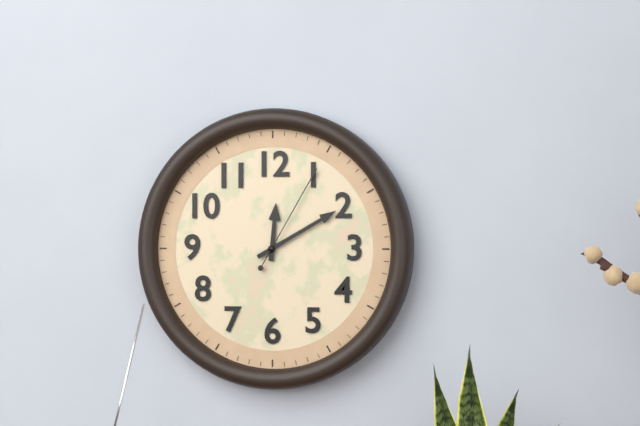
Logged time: 12 h 10 min 05 s
